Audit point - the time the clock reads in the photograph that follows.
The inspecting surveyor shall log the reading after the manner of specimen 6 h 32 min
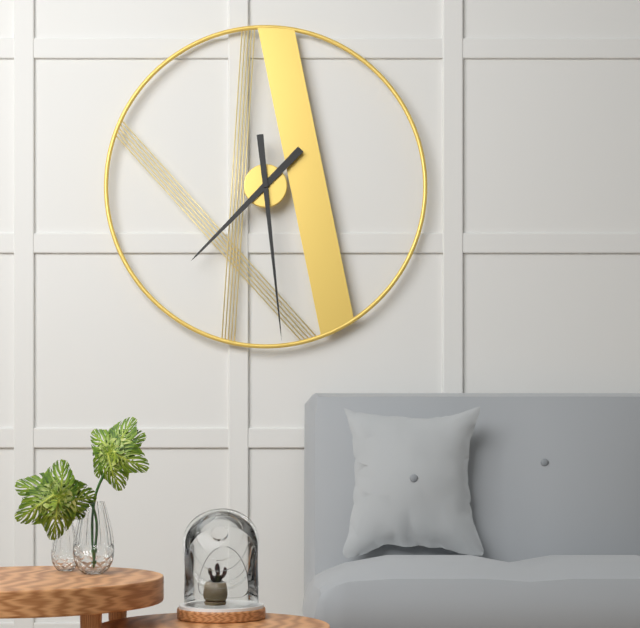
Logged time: 7 h 29 min
